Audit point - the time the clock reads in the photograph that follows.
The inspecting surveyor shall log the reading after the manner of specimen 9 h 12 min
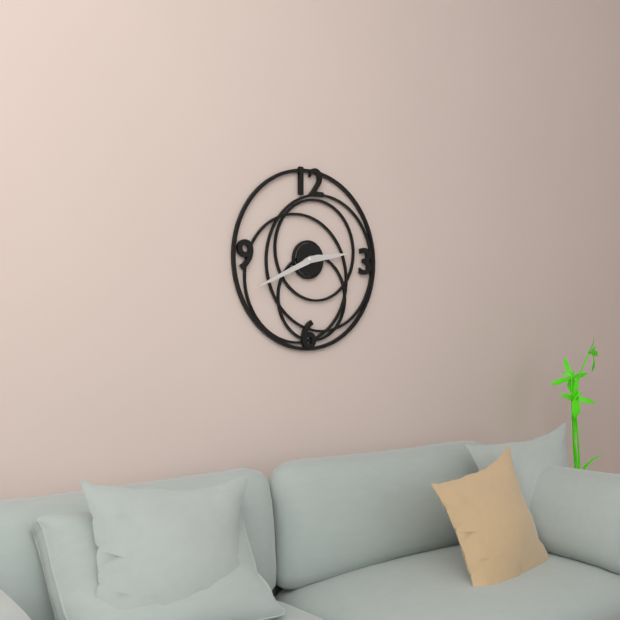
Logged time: 2 h 41 min
